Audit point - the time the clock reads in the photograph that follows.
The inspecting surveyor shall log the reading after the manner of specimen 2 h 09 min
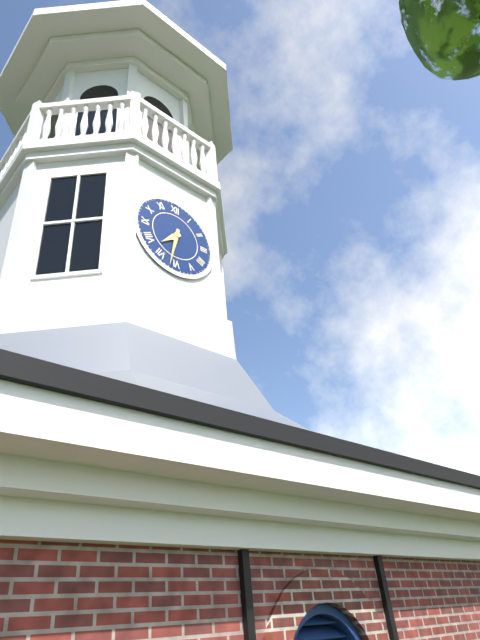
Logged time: 7 h 32 min
